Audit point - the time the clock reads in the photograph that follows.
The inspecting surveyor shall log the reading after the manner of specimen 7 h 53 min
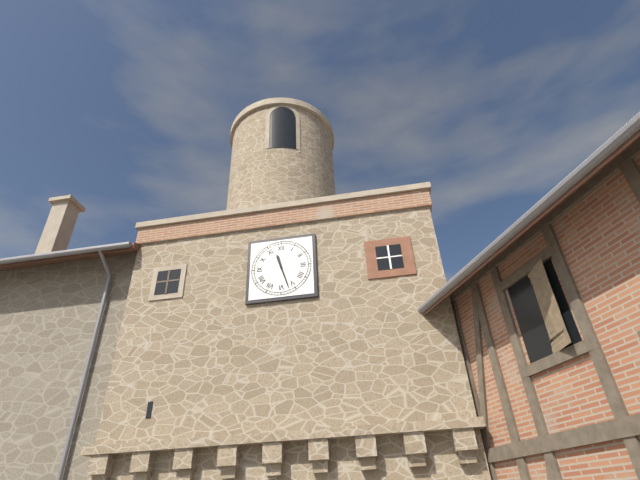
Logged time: 11 h 27 min
